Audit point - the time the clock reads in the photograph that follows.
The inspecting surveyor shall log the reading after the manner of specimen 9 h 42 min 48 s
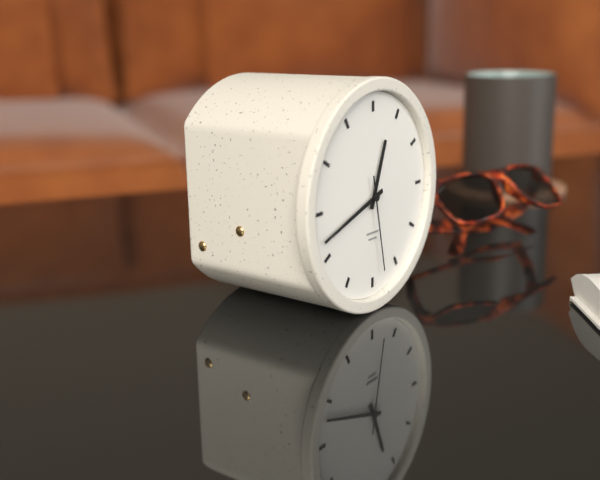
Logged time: 12 h 42 min 28 s
